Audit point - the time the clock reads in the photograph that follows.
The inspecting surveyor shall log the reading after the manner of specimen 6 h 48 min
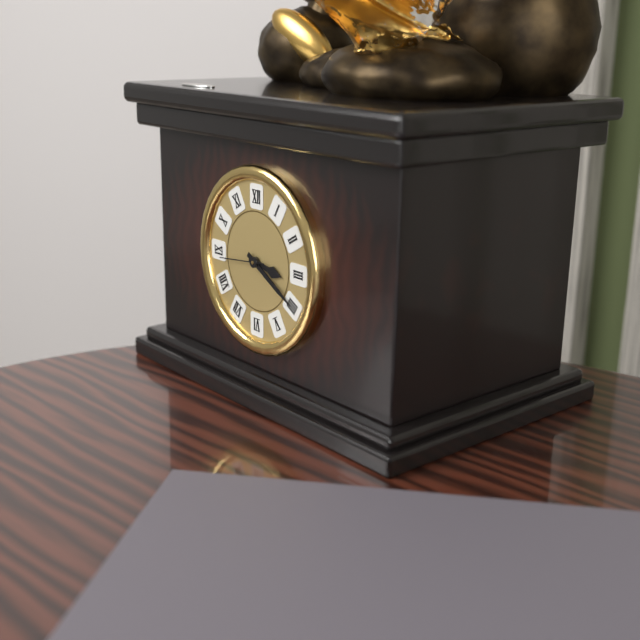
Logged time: 3 h 20 min
